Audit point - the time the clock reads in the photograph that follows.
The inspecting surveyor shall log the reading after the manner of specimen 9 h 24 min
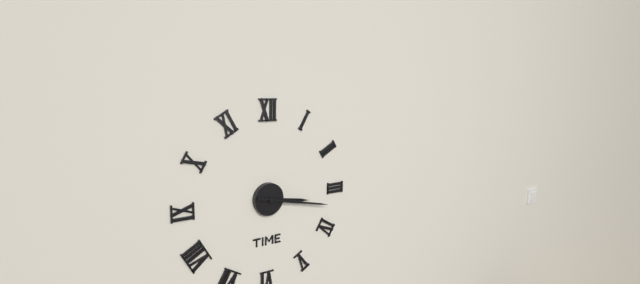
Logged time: 3 h 17 min
